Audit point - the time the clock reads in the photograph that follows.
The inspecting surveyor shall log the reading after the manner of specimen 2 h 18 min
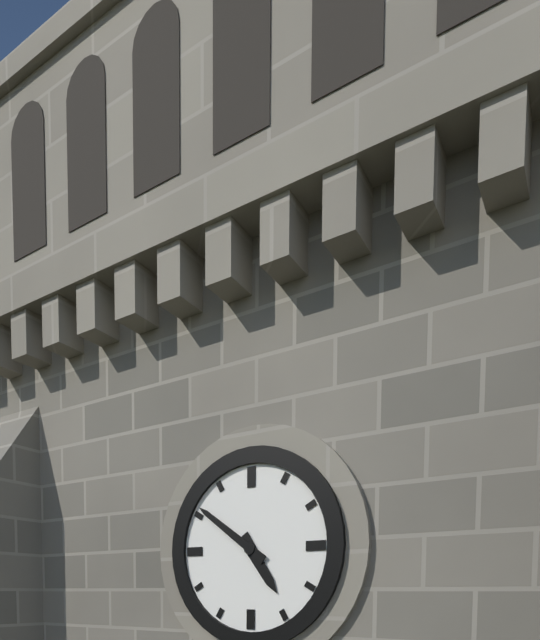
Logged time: 4 h 51 min
